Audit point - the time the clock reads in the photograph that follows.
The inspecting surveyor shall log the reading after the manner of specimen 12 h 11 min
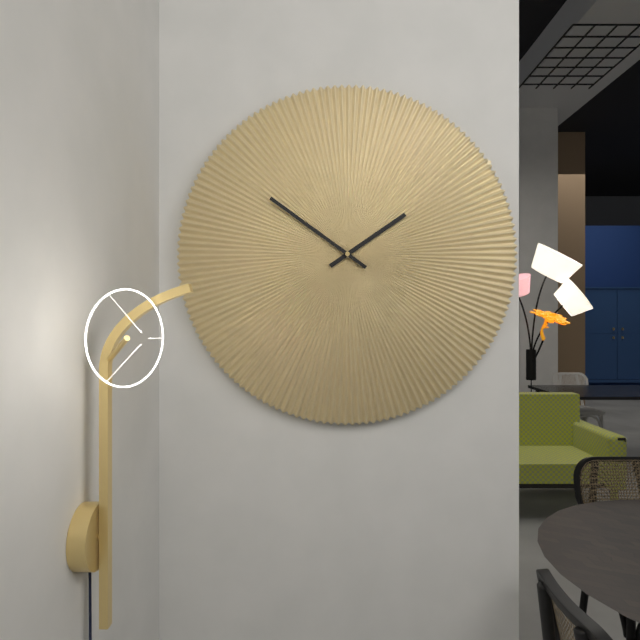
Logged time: 1 h 51 min
